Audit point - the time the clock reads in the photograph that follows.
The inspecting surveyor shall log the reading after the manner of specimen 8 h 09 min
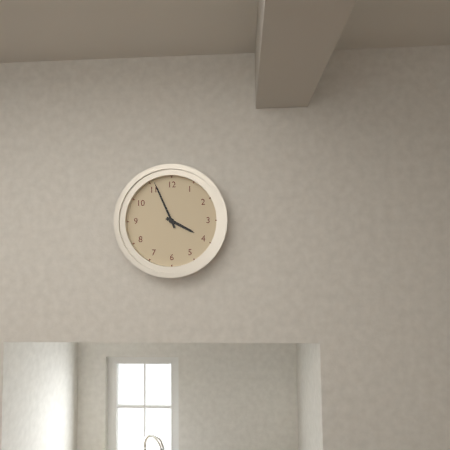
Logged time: 3 h 56 min
